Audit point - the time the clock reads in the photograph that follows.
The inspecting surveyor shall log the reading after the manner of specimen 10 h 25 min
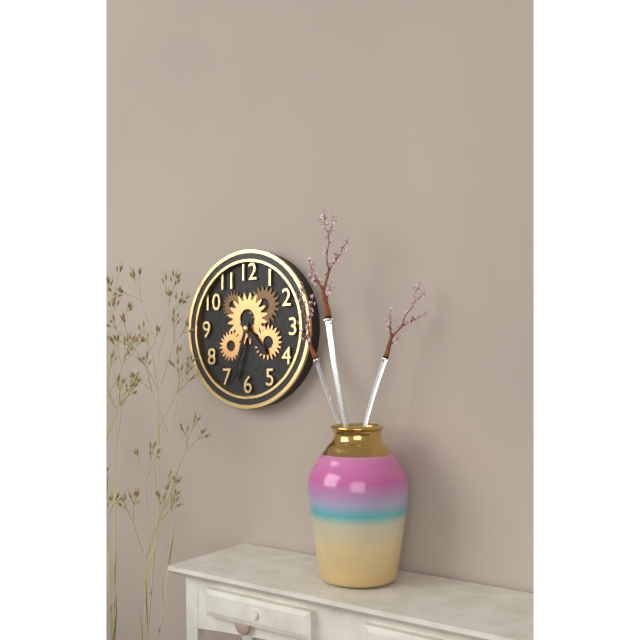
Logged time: 4 h 33 min
